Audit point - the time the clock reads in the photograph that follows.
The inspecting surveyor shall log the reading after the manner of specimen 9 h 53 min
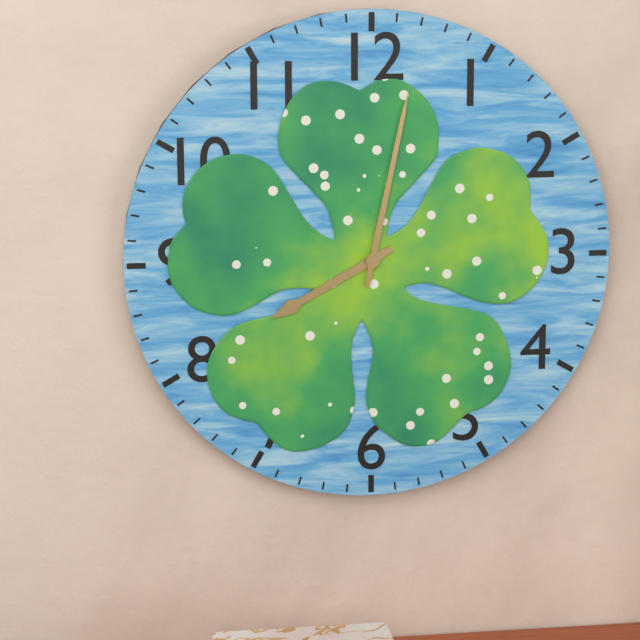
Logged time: 8 h 02 min
